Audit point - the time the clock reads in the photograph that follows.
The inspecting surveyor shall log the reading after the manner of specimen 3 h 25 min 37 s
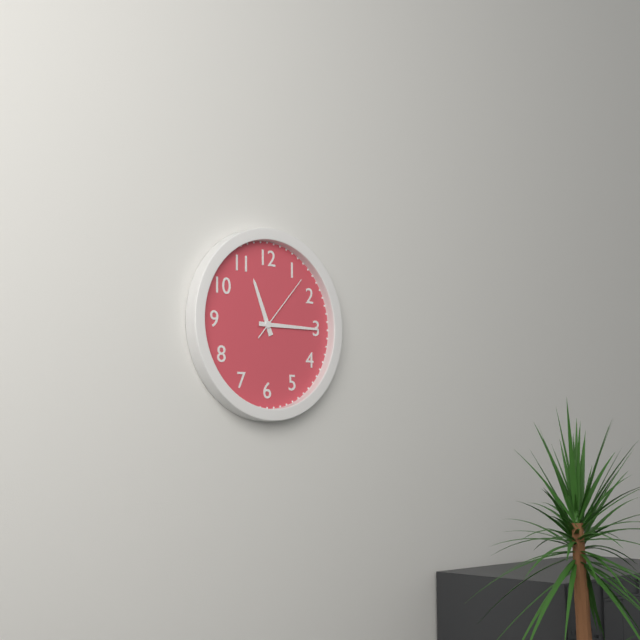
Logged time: 11 h 15 min 07 s
